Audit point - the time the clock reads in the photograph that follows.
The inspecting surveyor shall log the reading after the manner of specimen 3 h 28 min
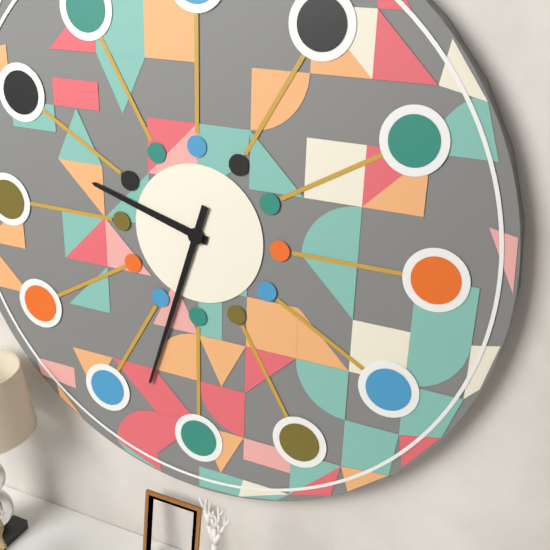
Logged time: 9 h 33 min
